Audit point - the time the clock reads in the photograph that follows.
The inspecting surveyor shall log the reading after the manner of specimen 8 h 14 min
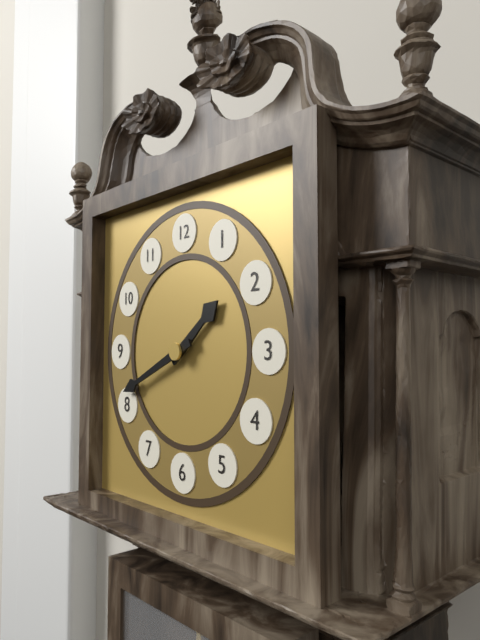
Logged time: 1 h 41 min
